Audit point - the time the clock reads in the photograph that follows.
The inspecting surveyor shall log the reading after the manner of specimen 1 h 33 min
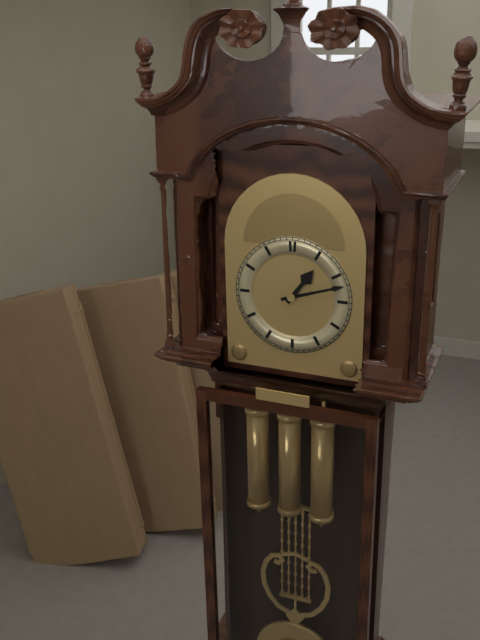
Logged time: 1 h 12 min
